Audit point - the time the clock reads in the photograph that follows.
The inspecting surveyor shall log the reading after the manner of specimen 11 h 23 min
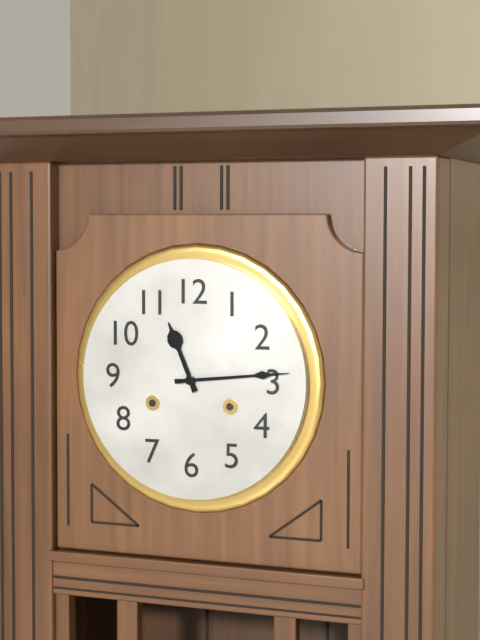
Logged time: 11 h 14 min
